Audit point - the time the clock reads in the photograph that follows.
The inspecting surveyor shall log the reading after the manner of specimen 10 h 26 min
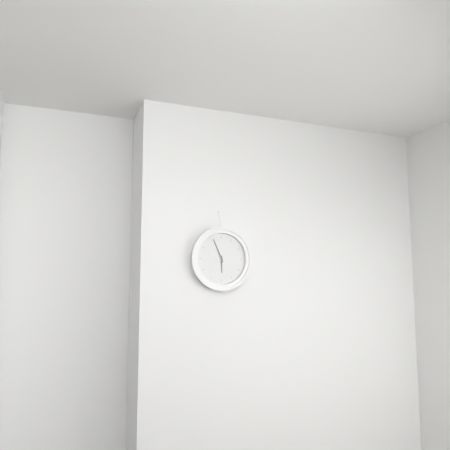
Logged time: 5 h 56 min
